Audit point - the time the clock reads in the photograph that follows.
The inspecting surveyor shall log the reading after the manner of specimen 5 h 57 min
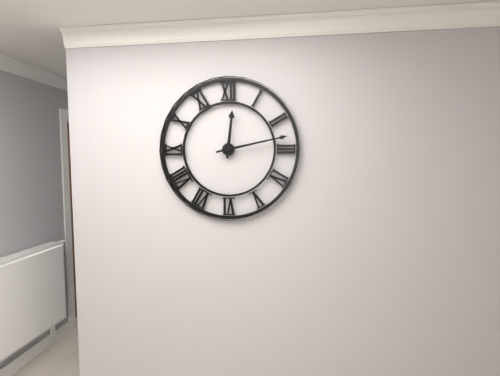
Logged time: 12 h 13 min
